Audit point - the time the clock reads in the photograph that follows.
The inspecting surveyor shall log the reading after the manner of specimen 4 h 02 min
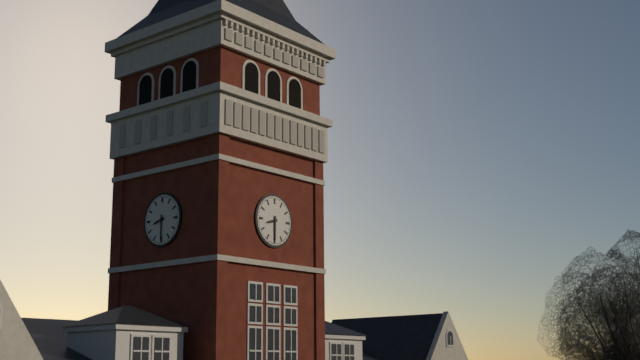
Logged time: 8 h 30 min
